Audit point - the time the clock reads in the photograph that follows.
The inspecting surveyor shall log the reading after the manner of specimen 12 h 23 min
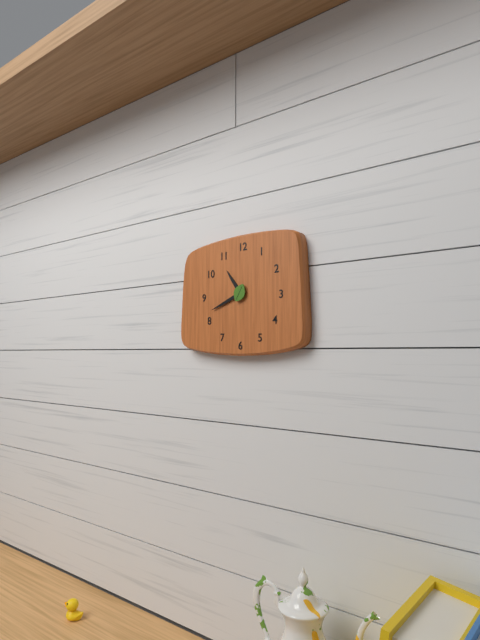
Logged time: 10 h 41 min
